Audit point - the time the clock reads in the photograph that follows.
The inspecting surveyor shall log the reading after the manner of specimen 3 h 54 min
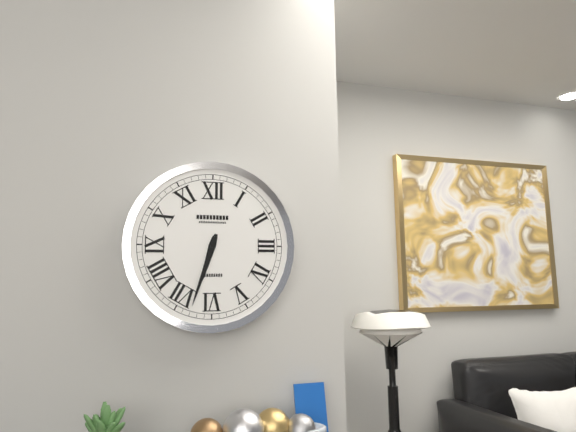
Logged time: 6 h 33 min
